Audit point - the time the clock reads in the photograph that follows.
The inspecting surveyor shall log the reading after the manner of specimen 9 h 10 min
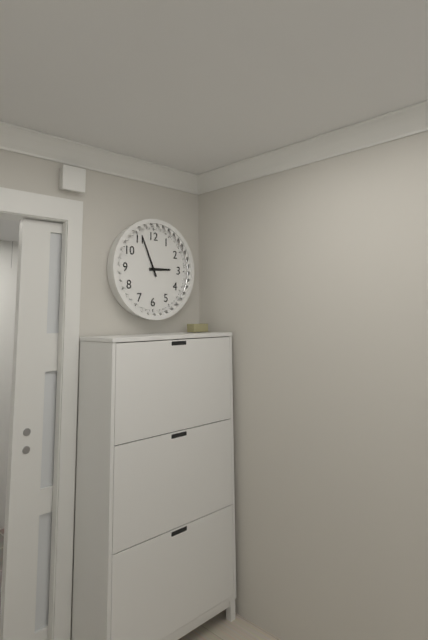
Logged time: 2 h 56 min
